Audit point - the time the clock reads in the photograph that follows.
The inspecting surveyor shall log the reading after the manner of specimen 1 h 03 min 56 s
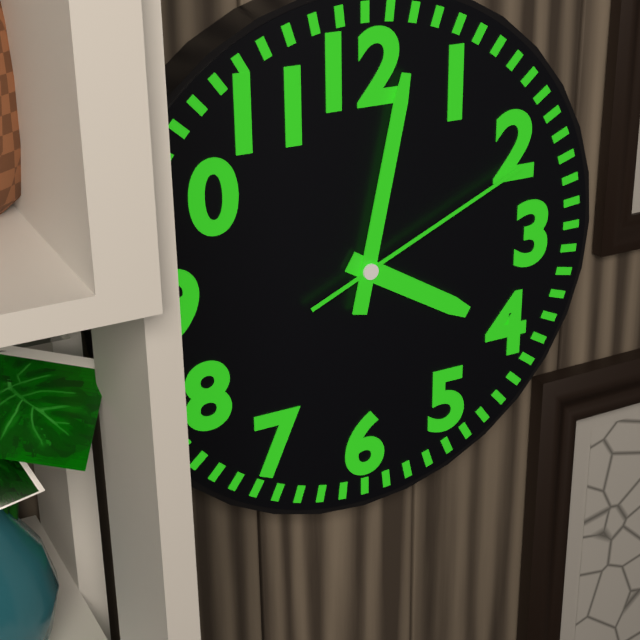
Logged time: 4 h 02 min 11 s
